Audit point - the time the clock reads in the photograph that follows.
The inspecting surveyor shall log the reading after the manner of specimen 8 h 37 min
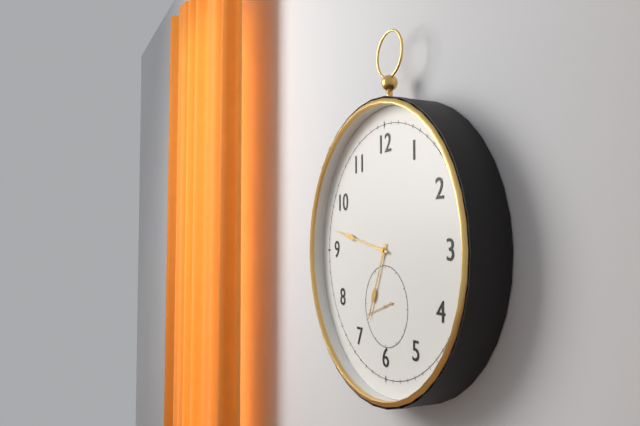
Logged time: 6 h 47 min
